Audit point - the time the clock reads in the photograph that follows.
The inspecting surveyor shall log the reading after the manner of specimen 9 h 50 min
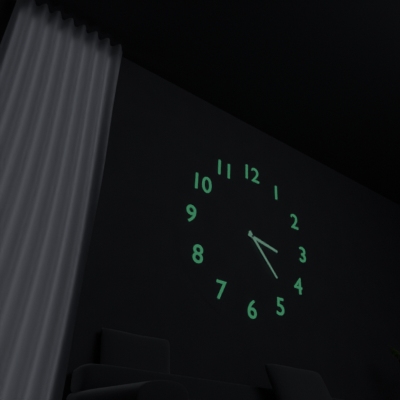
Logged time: 3 h 23 min
